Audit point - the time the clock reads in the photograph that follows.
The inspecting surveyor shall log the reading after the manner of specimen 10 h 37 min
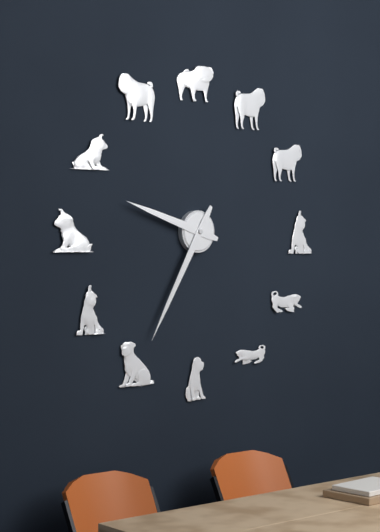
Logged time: 9 h 35 min
